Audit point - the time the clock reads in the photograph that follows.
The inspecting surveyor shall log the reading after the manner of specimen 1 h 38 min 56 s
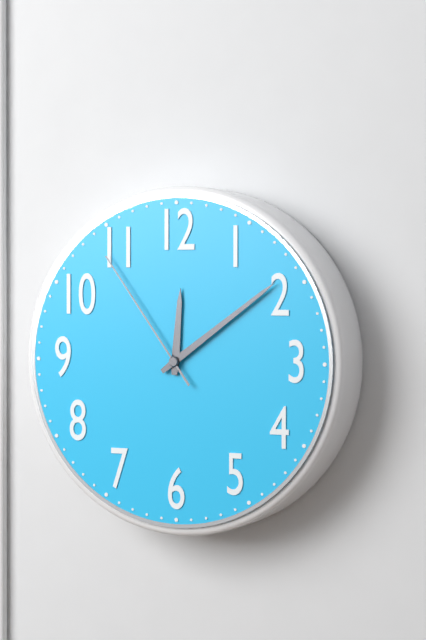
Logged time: 12 h 09 min 54 s
